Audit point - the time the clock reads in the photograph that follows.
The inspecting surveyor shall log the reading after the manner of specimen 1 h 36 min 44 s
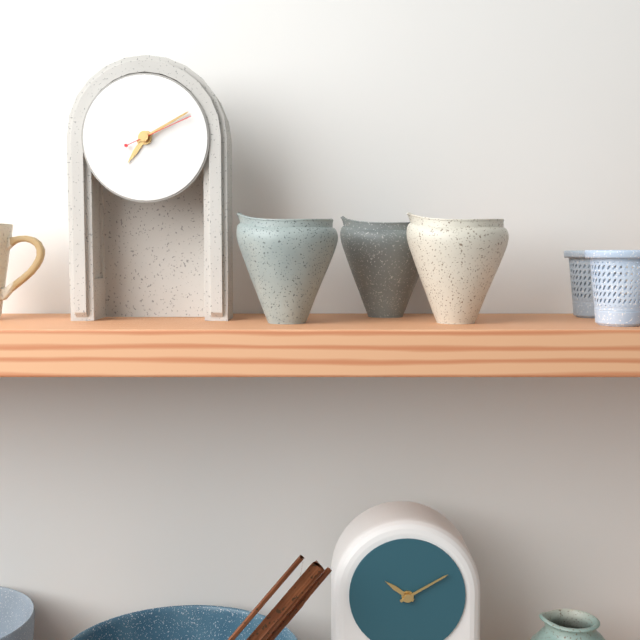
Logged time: 7 h 10 min 11 s
